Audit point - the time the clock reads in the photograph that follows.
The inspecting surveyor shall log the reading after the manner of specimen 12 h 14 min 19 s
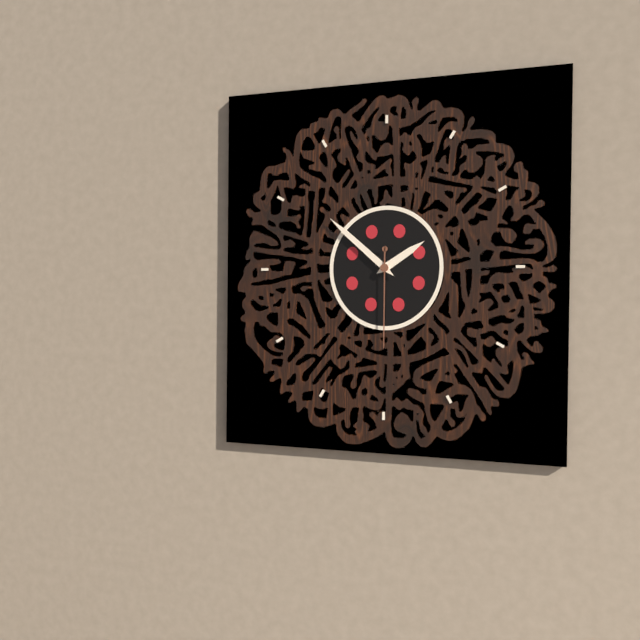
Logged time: 1 h 52 min 30 s
